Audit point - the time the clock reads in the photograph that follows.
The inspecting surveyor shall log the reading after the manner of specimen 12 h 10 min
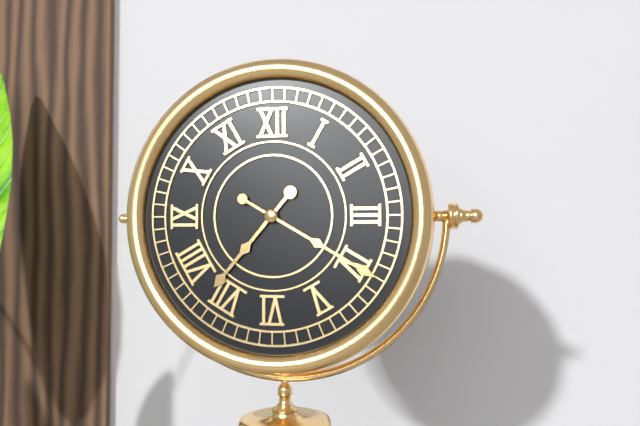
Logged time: 7 h 20 min
